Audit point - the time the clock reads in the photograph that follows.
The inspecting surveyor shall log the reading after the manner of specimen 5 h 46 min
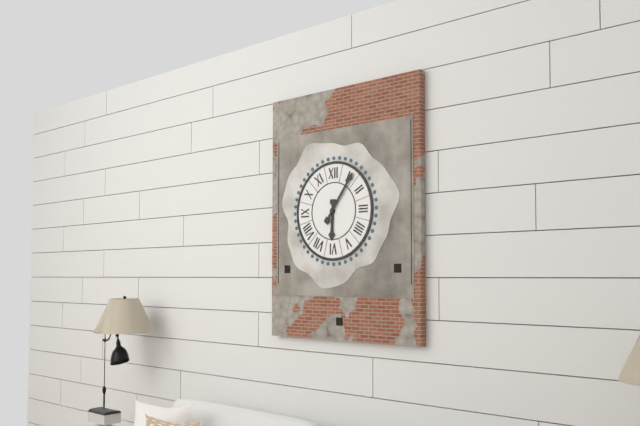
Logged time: 6 h 06 min
